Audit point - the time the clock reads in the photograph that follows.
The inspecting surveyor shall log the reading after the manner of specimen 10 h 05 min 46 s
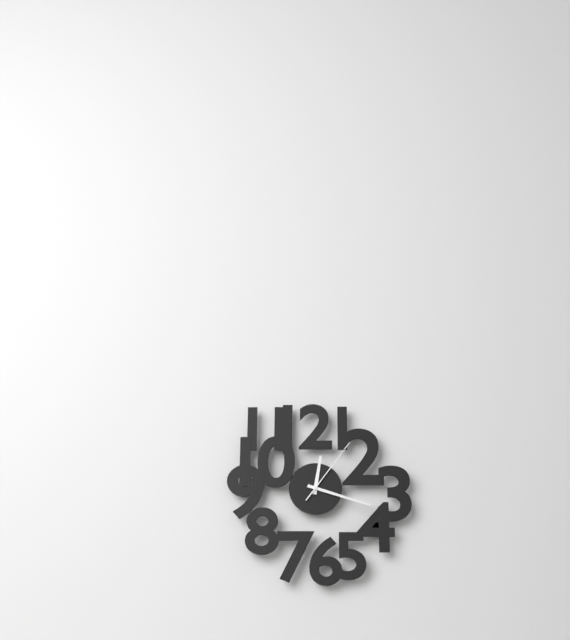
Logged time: 12 h 18 min 06 s
